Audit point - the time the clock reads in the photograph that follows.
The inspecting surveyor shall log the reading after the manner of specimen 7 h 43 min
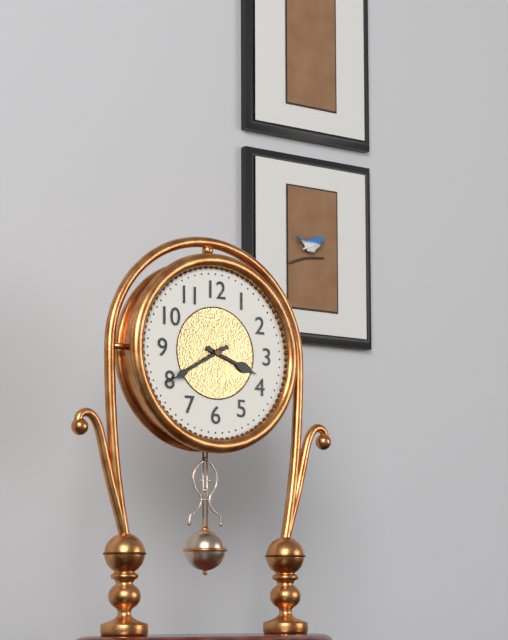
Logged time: 3 h 40 min
